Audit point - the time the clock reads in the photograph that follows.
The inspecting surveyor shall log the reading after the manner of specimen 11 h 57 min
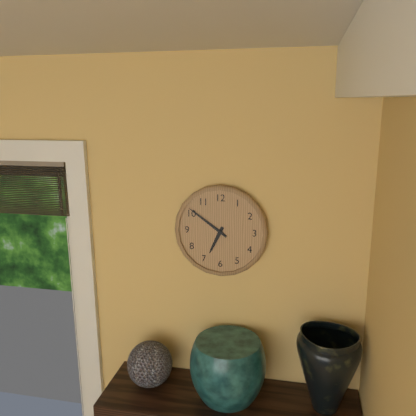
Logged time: 6 h 51 min
